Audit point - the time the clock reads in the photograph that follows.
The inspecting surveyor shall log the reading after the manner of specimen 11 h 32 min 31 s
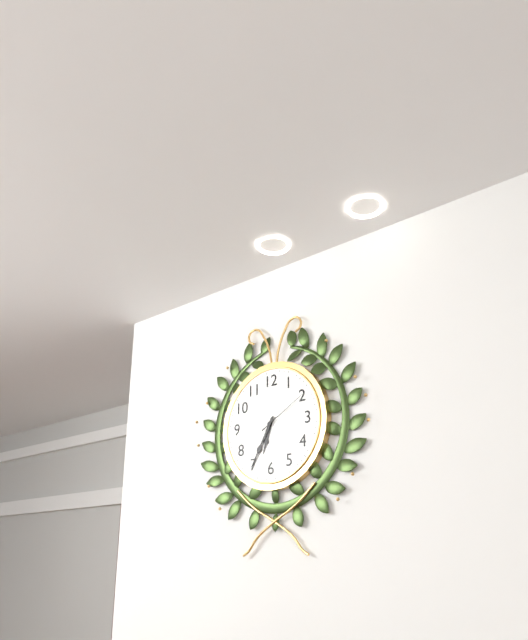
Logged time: 6 h 35 min 10 s
